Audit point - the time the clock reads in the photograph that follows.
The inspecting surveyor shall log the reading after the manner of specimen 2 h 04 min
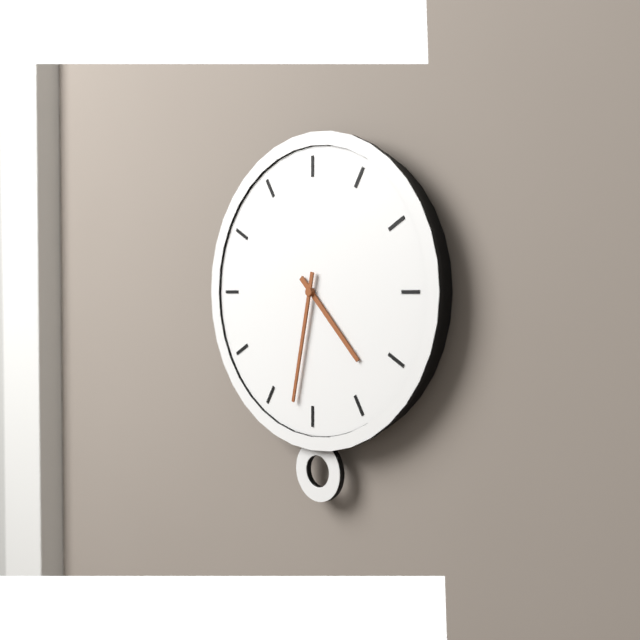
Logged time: 4 h 32 min
